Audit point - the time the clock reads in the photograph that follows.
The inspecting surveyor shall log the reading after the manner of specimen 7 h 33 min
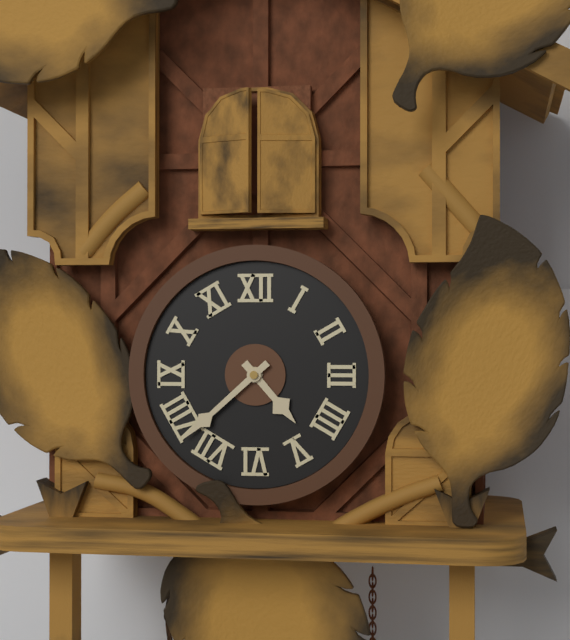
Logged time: 4 h 38 min
